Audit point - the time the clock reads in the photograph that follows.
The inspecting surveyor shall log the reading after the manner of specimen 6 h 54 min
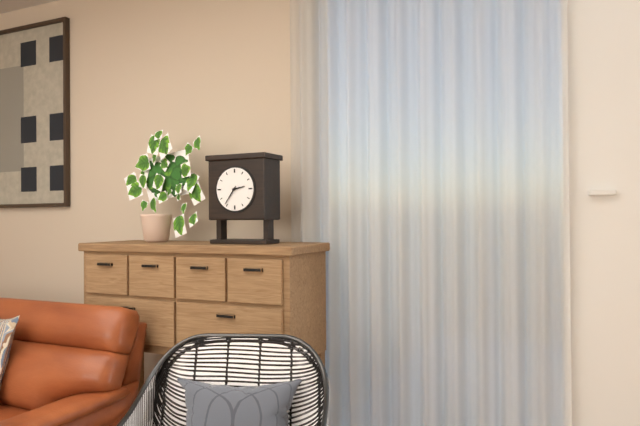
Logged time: 2 h 36 min
